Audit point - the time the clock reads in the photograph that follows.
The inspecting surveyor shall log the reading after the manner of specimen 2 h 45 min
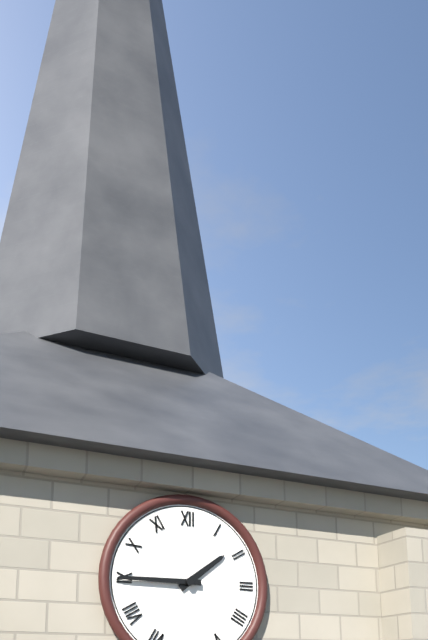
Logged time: 1 h 45 min
